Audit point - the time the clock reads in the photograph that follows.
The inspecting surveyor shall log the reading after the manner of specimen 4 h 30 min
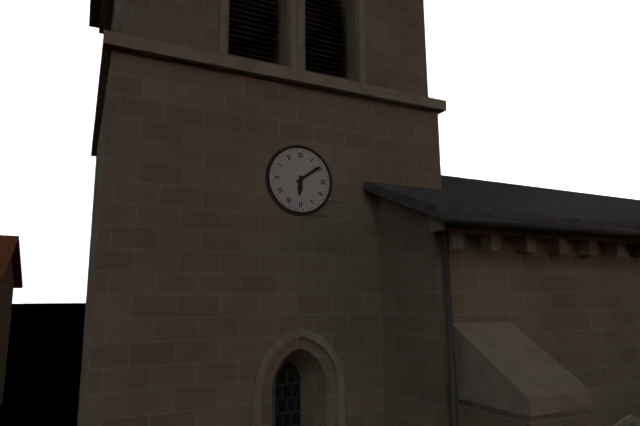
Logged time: 6 h 09 min
